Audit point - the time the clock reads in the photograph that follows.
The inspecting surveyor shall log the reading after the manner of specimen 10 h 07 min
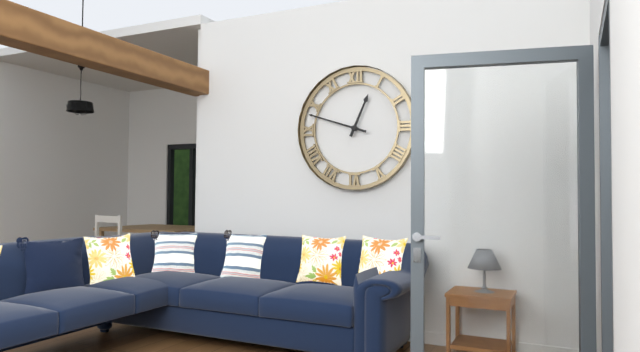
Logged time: 12 h 48 min
